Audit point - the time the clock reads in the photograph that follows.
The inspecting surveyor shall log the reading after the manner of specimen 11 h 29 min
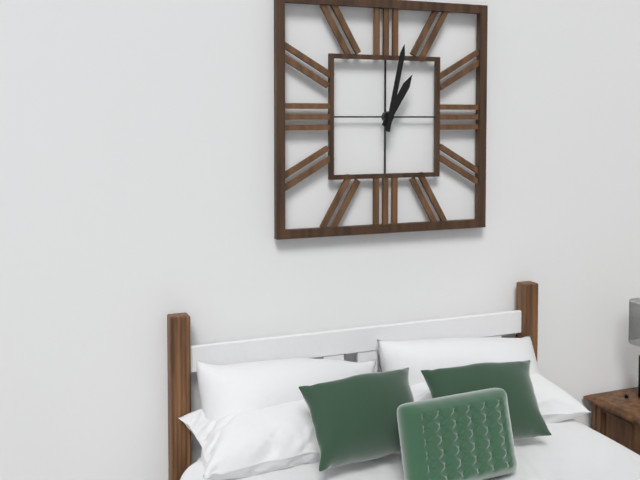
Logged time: 1 h 02 min
